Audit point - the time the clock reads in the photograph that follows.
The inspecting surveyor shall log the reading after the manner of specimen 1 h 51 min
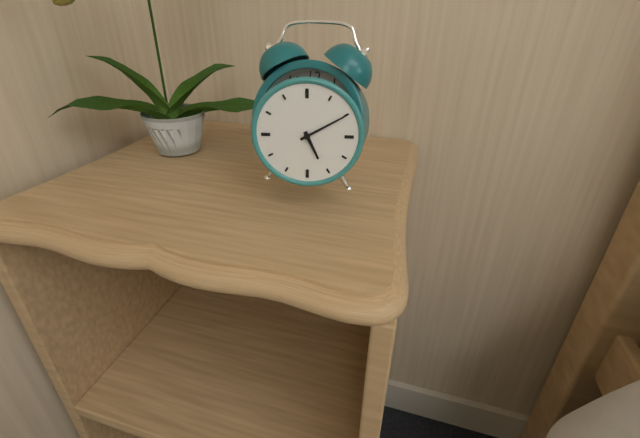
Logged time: 5 h 10 min
